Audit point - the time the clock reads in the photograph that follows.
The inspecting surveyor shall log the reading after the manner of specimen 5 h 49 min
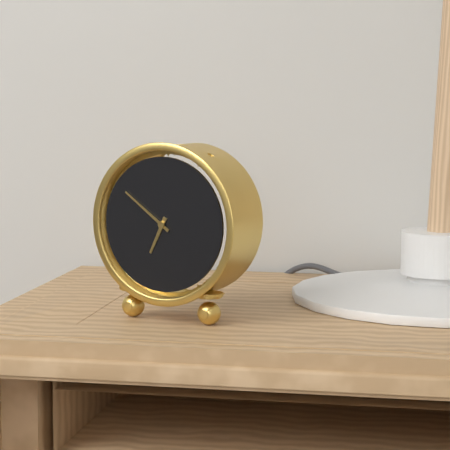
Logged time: 6 h 51 min
